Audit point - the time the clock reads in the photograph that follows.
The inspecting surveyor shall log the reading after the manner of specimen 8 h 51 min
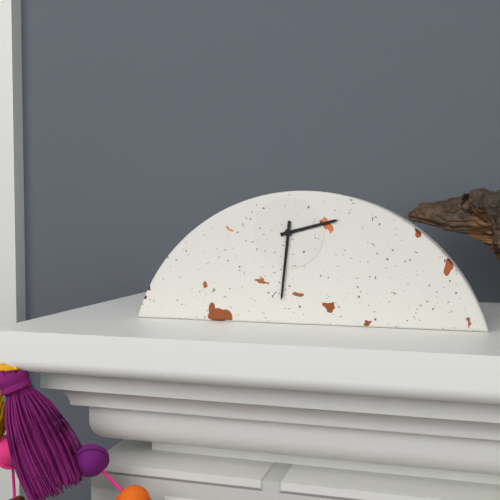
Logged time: 2 h 31 min
